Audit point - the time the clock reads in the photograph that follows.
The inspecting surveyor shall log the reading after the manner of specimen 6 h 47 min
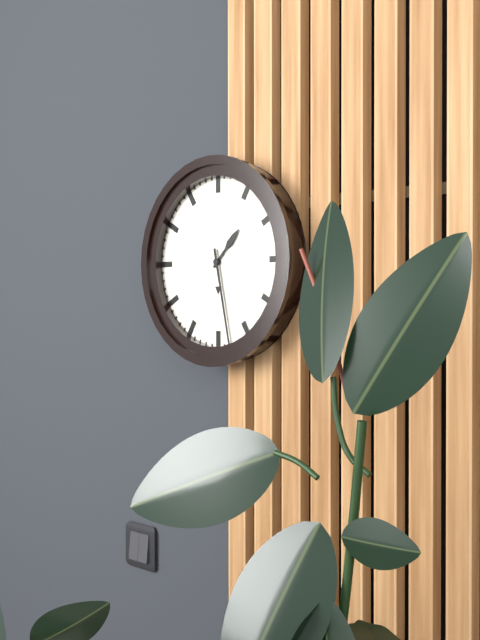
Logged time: 1 h 28 min
